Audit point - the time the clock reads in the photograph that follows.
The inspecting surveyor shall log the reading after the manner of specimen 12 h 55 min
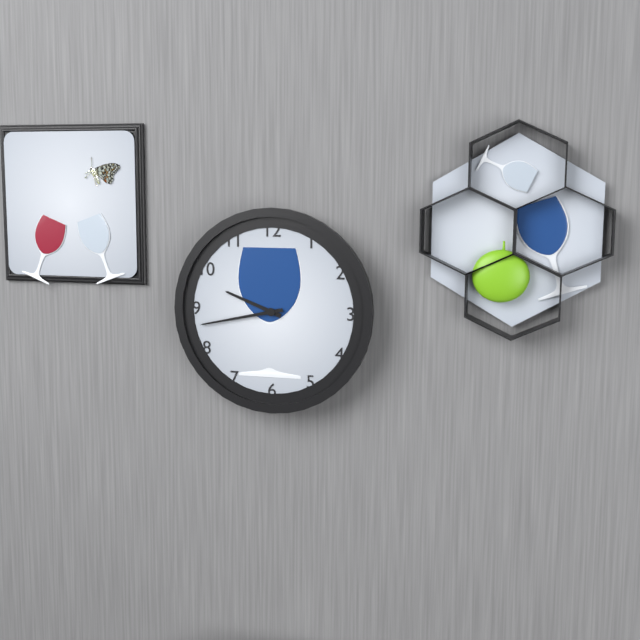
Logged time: 9 h 43 min
